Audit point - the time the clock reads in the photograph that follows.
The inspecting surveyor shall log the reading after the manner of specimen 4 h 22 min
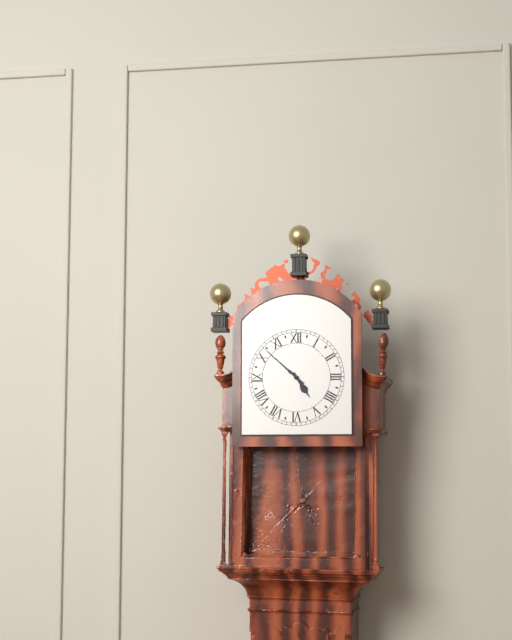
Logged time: 4 h 52 min
